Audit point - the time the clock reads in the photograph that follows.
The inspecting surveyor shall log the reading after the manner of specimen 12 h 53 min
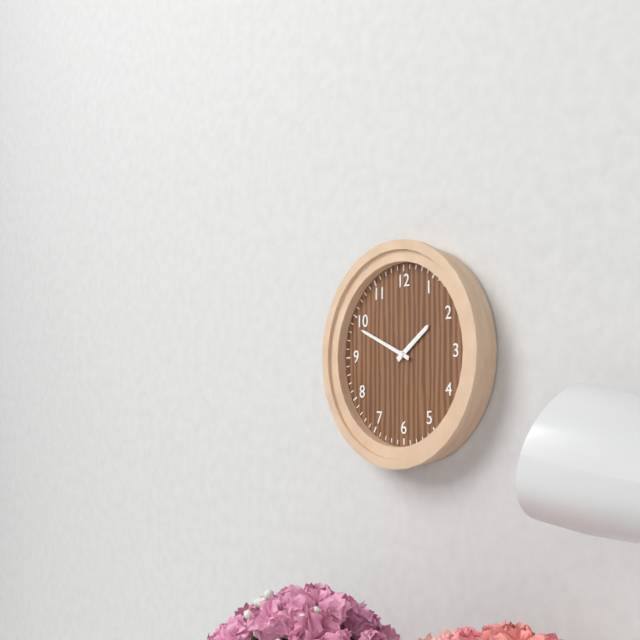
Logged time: 1 h 49 min
